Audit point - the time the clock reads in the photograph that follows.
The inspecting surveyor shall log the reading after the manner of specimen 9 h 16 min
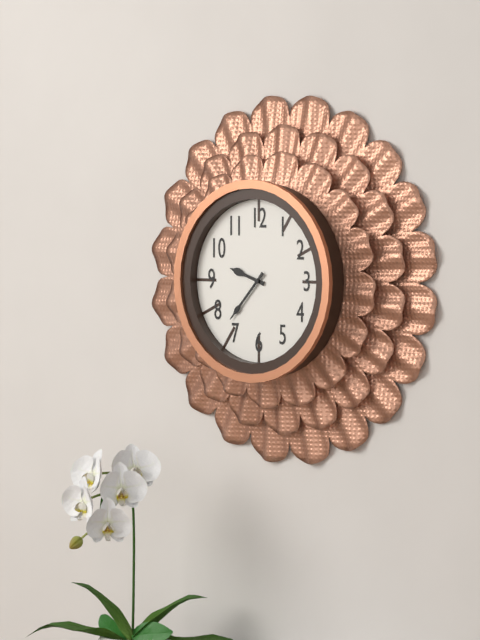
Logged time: 9 h 37 min
